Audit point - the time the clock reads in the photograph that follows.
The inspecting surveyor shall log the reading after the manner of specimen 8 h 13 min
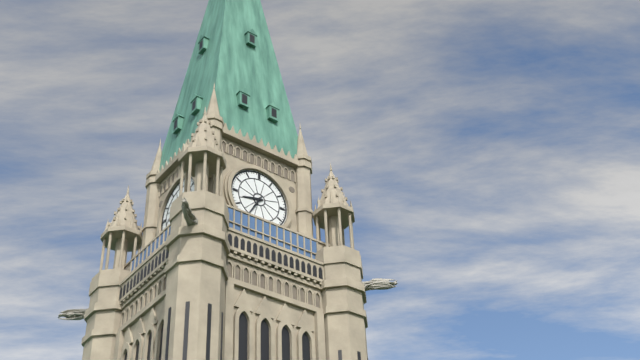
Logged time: 8 h 35 min
